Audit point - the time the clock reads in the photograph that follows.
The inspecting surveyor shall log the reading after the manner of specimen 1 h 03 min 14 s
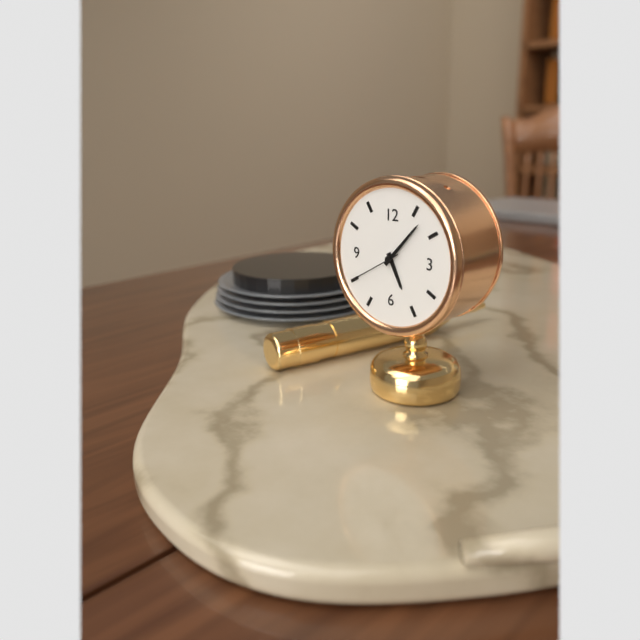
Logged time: 5 h 07 min 40 s
